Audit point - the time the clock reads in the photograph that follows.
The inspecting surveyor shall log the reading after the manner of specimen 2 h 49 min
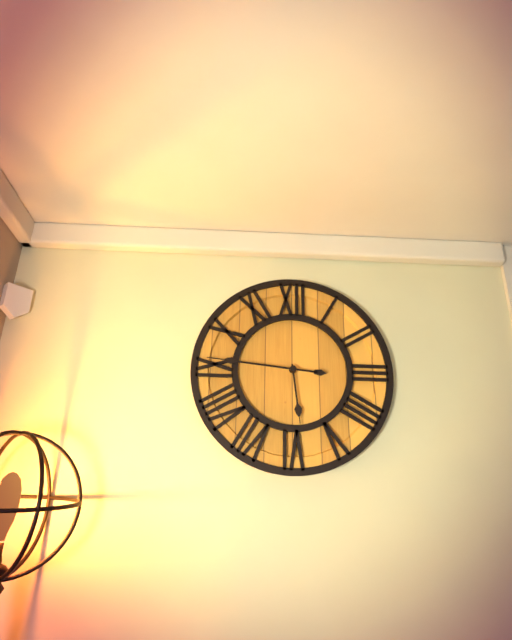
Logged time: 5 h 46 min
